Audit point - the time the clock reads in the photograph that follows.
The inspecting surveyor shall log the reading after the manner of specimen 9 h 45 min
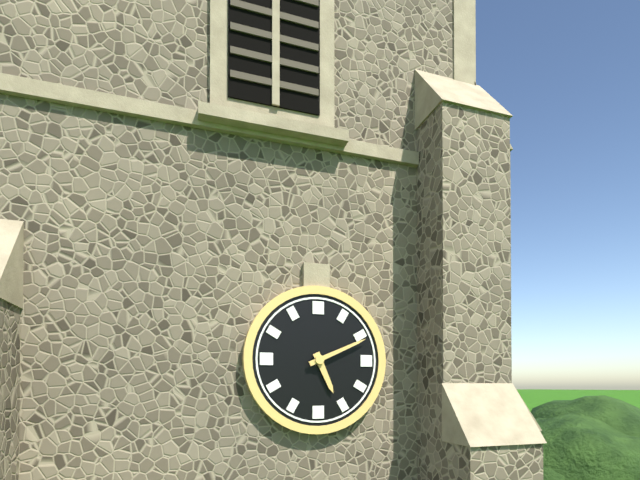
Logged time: 5 h 11 min
